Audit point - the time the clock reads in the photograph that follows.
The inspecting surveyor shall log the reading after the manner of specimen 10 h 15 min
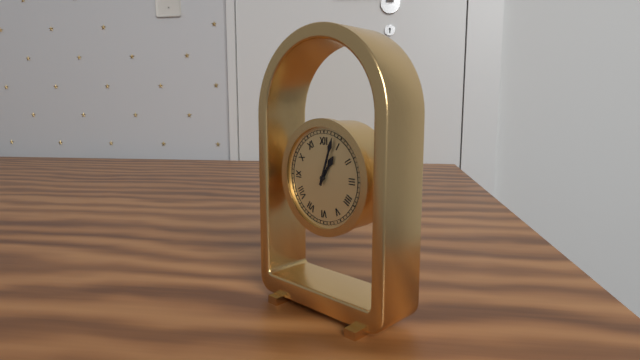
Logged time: 1 h 03 min
